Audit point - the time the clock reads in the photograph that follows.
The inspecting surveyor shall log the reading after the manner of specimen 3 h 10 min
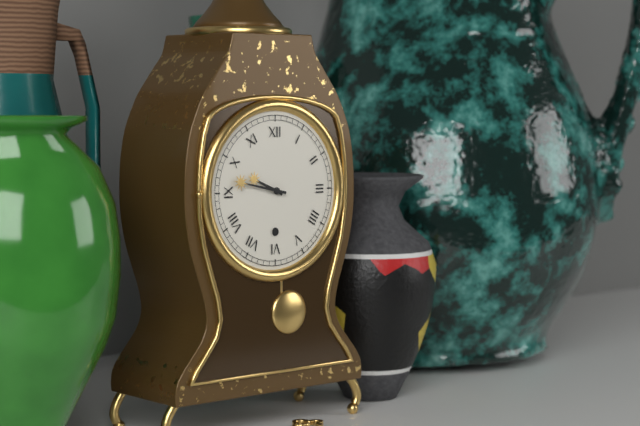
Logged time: 9 h 47 min
